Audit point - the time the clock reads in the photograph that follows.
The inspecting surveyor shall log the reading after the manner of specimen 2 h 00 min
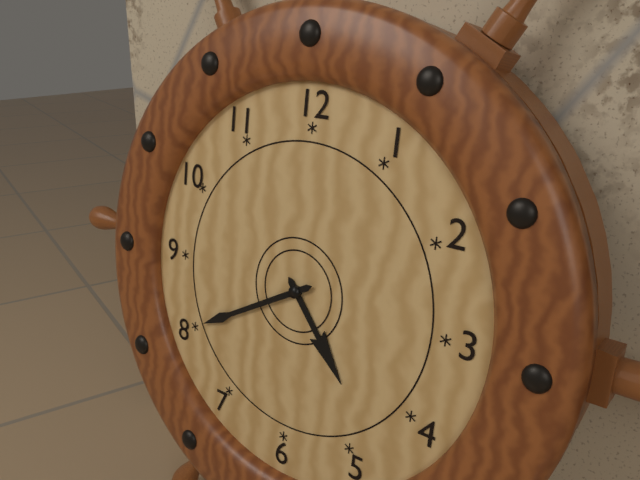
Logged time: 4 h 40 min
